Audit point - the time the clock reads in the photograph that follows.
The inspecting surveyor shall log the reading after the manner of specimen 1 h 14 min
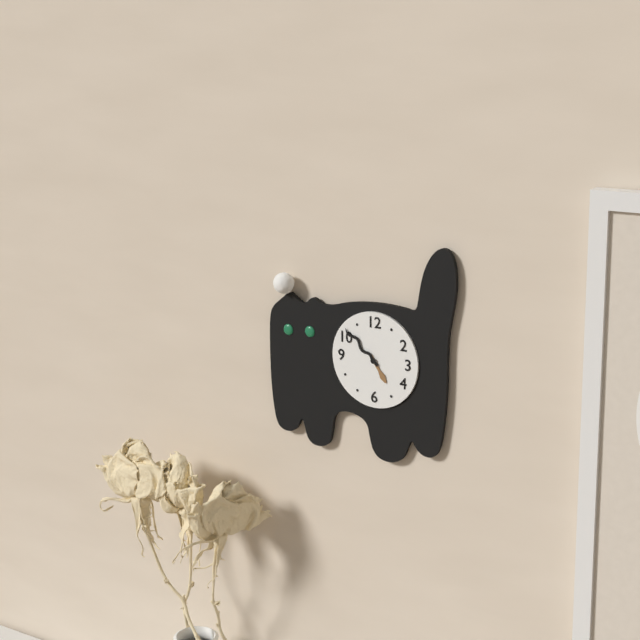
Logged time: 4 h 52 min
